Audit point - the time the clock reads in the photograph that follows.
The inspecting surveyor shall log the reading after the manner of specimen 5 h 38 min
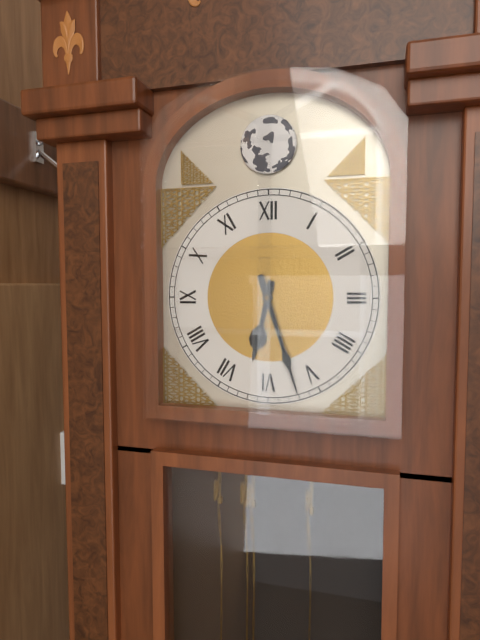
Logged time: 6 h 27 min
